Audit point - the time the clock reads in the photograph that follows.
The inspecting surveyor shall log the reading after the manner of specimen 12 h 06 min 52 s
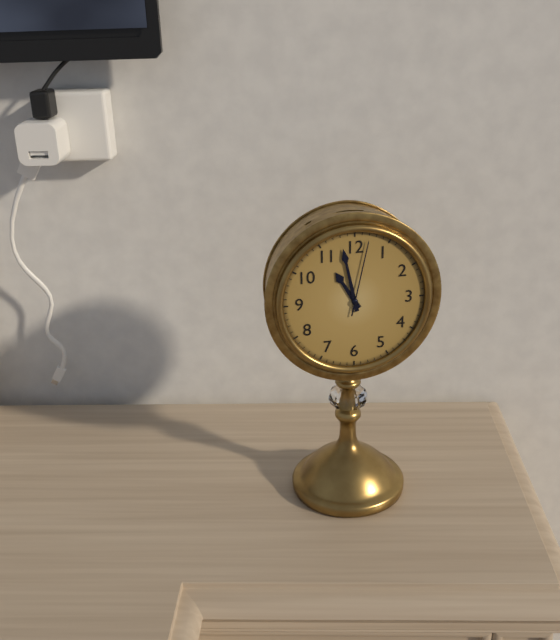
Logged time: 10 h 58 min 02 s
